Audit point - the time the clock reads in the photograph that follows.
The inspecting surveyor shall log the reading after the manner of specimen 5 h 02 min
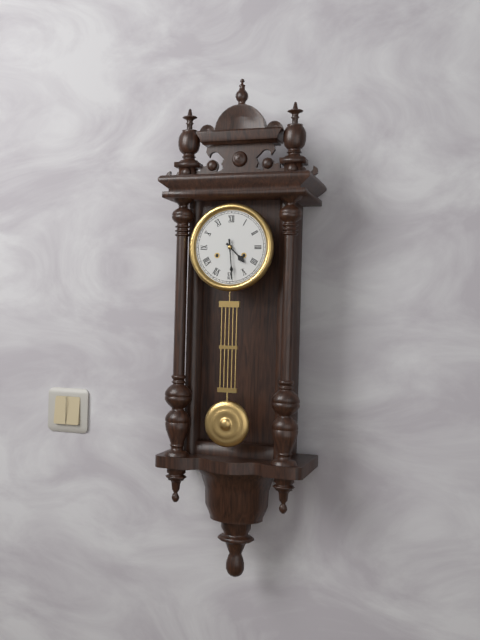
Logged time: 4 h 29 min
